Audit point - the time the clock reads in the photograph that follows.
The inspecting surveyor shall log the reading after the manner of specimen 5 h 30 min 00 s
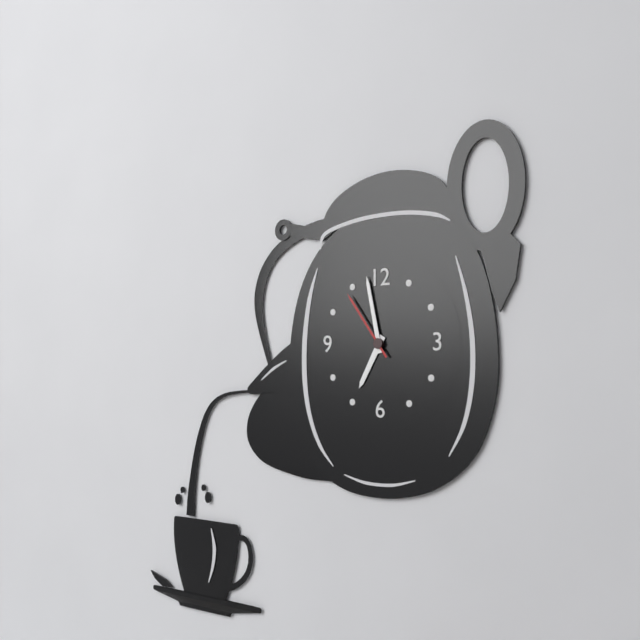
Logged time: 6 h 58 min 54 s
